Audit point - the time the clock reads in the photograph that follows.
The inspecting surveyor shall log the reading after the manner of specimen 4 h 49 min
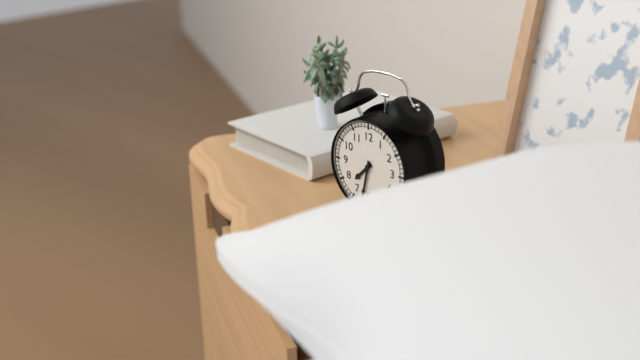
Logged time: 7 h 32 min
